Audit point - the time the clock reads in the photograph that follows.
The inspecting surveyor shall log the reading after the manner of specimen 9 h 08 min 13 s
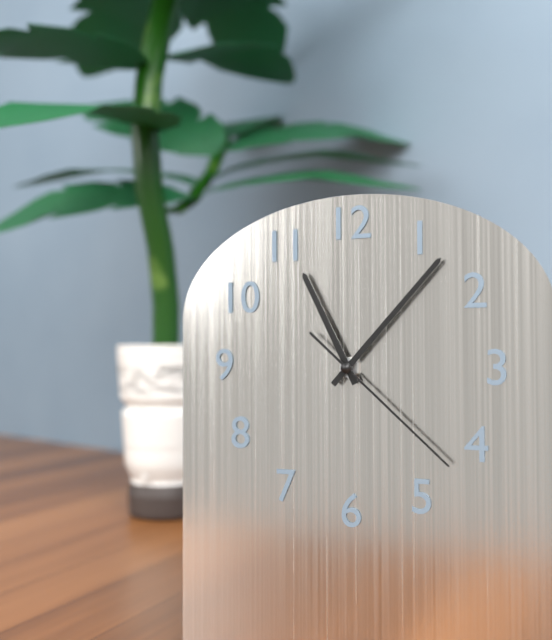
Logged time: 11 h 07 min 22 s
